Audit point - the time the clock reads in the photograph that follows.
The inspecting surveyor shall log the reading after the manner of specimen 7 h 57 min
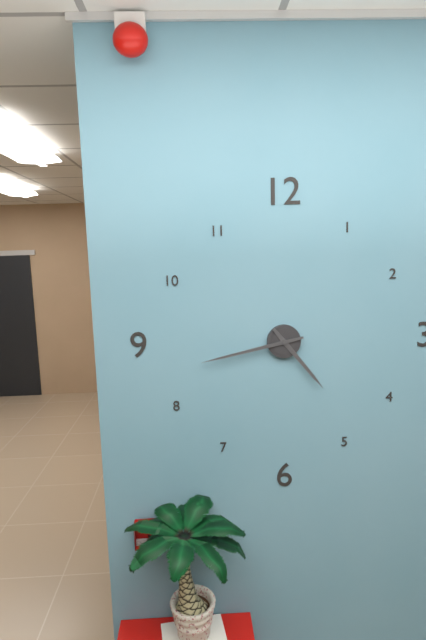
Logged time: 4 h 43 min
